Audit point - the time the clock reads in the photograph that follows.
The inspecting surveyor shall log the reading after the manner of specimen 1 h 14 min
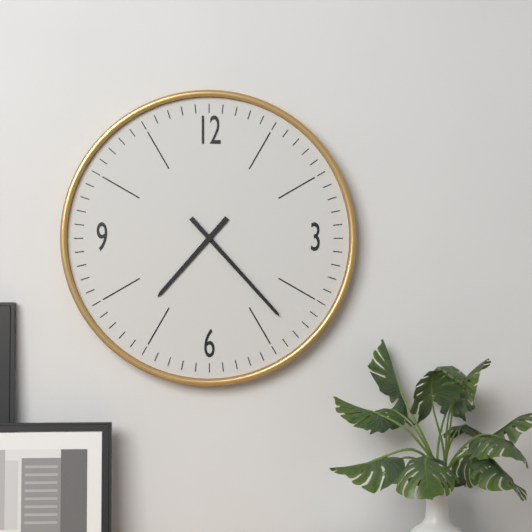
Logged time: 7 h 23 min
